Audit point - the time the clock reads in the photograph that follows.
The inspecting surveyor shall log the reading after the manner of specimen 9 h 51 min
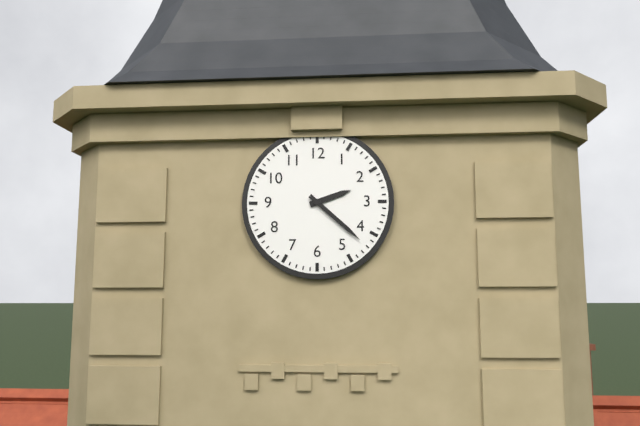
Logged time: 2 h 22 min
